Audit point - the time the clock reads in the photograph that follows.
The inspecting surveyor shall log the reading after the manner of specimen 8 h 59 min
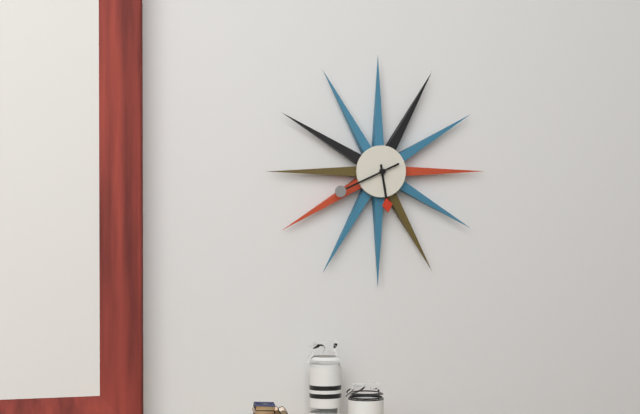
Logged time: 5 h 41 min
